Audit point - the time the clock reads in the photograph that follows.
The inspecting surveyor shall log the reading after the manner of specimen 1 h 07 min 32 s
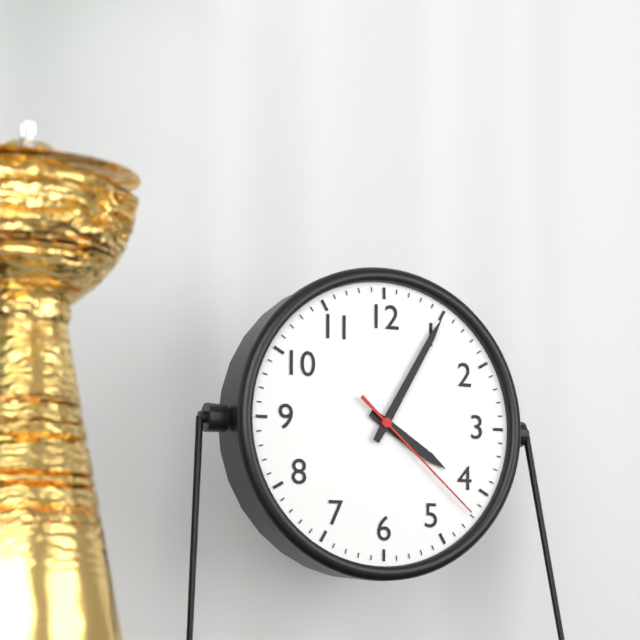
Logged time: 4 h 05 min 22 s
